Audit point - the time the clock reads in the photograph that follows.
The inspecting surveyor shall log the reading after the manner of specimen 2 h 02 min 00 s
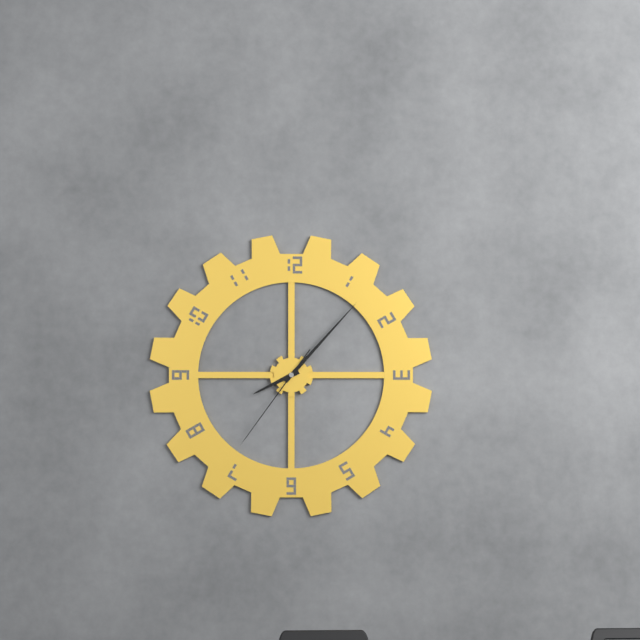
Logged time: 8 h 07 min 36 s
